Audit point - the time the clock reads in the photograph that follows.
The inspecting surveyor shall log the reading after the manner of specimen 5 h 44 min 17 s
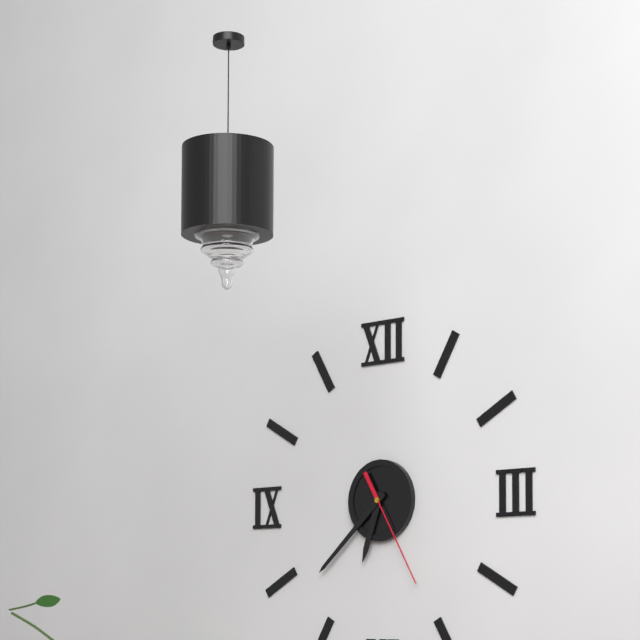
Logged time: 6 h 38 min 25 s
